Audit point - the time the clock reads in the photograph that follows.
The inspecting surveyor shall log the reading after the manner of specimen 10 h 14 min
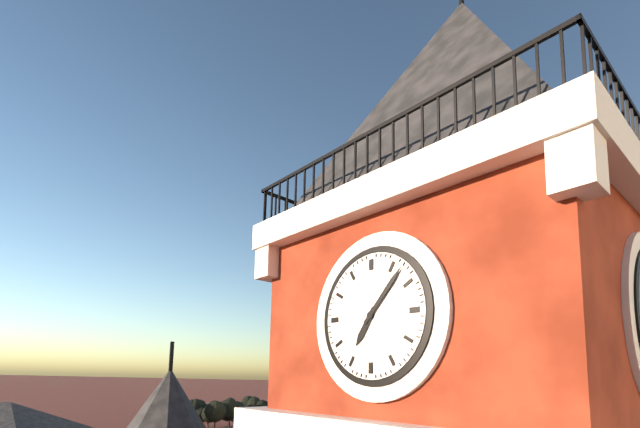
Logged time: 7 h 07 min
